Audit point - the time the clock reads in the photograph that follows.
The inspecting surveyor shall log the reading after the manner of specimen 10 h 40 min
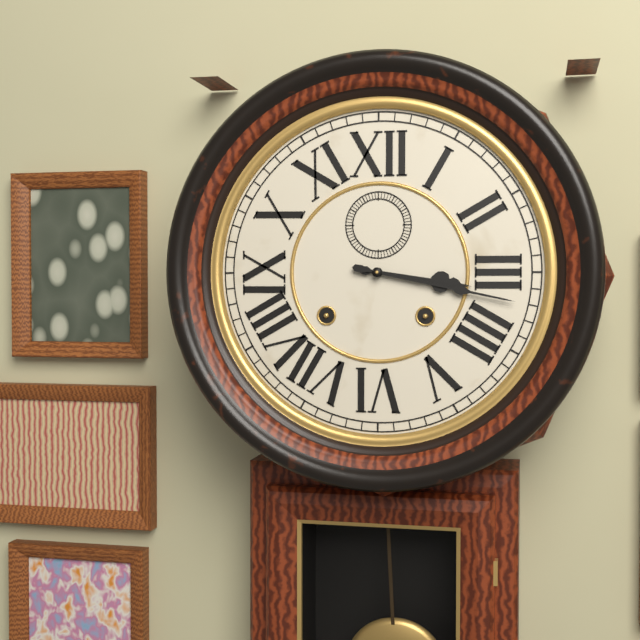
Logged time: 3 h 17 min
